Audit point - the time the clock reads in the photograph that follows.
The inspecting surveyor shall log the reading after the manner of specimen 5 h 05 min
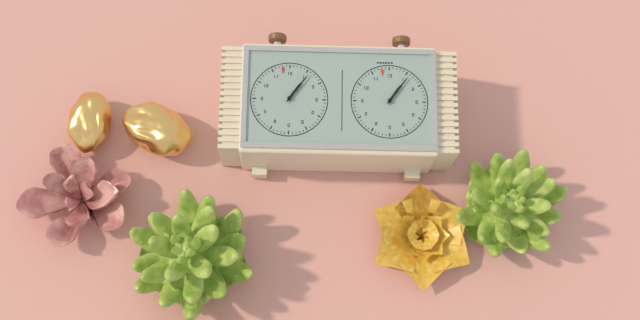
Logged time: 1 h 06 min
